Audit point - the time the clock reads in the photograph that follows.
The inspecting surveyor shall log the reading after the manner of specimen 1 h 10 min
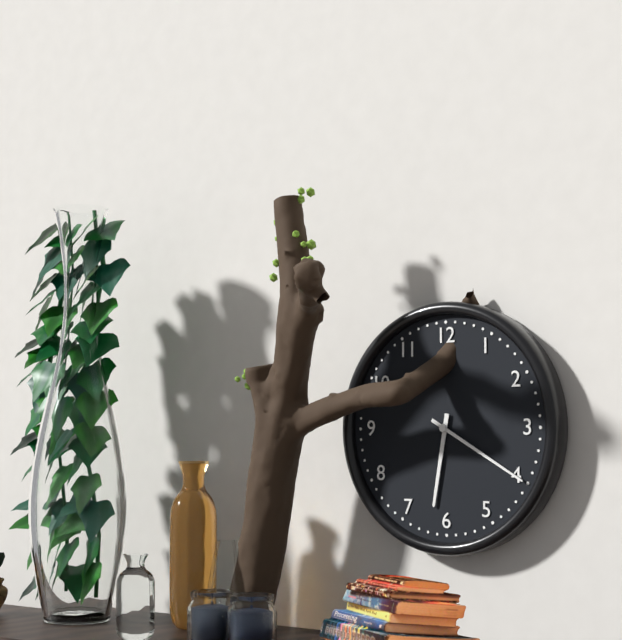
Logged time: 6 h 20 min
